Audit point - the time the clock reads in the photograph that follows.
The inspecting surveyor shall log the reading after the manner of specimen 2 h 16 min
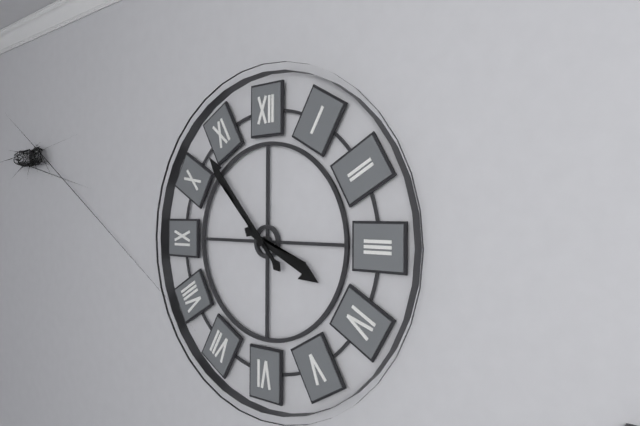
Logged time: 3 h 53 min
